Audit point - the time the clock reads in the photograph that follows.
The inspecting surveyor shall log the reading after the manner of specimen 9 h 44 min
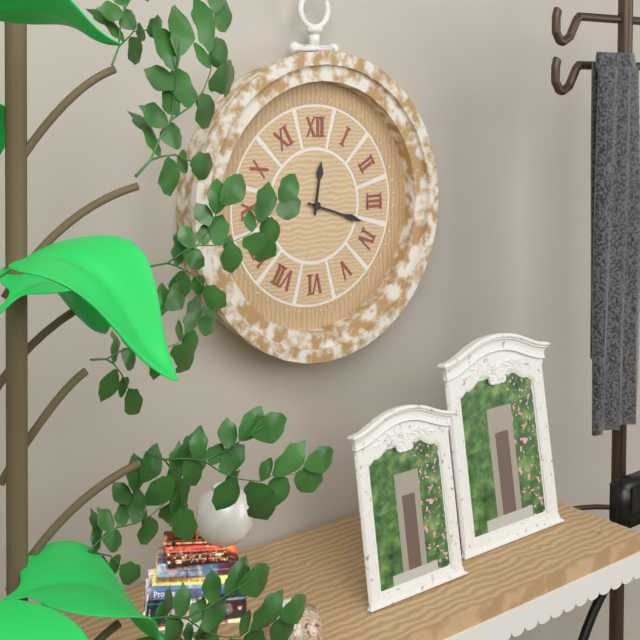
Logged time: 12 h 18 min
